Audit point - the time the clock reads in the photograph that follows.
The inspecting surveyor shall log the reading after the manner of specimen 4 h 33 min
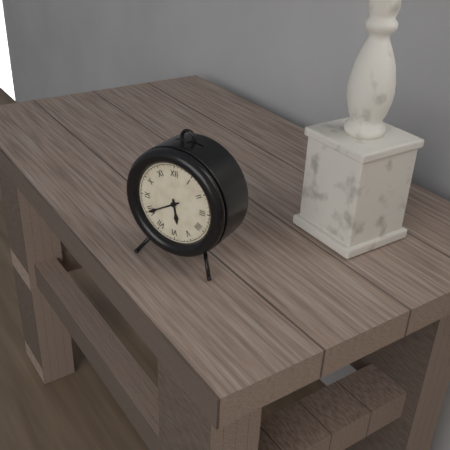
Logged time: 5 h 40 min
